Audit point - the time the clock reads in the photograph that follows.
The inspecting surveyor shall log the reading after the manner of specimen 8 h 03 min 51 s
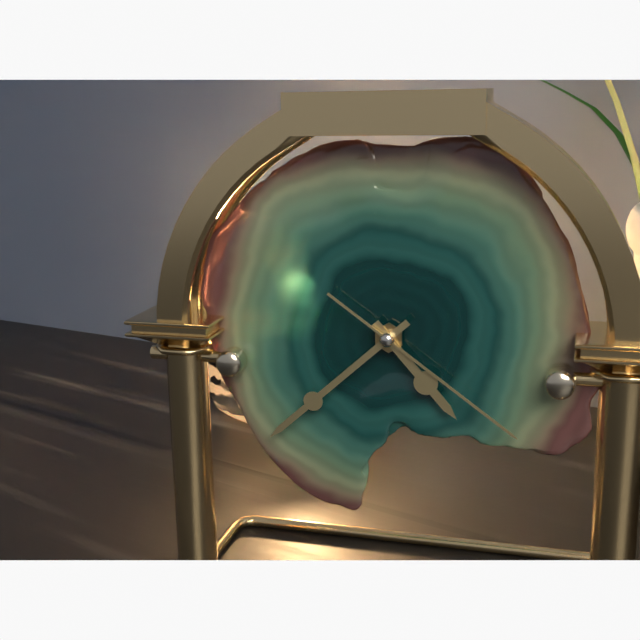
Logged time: 4 h 38 min 21 s
